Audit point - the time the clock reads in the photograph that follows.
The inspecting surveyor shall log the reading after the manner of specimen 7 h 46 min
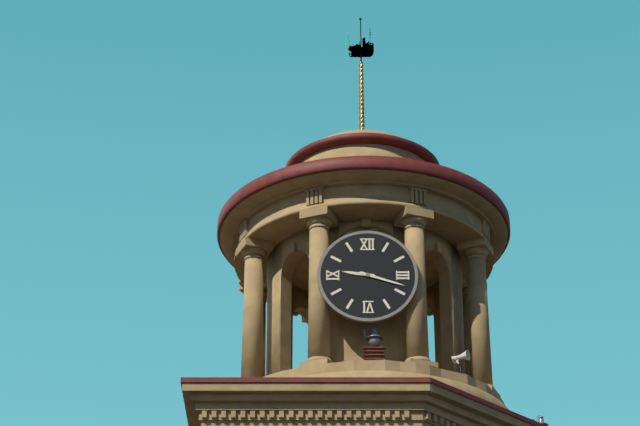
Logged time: 9 h 18 min
